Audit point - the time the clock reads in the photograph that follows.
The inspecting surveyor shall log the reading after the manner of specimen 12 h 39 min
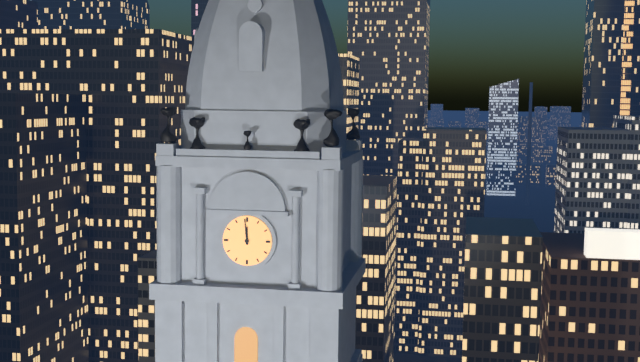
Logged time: 11 h 59 min
